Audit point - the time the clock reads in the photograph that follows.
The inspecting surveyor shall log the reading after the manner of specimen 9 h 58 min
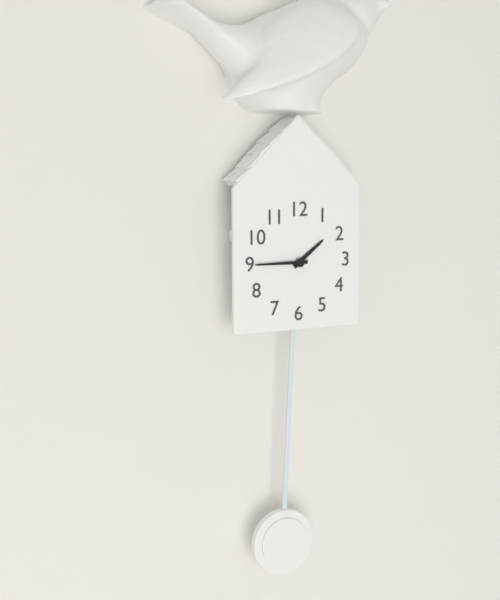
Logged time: 1 h 45 min
